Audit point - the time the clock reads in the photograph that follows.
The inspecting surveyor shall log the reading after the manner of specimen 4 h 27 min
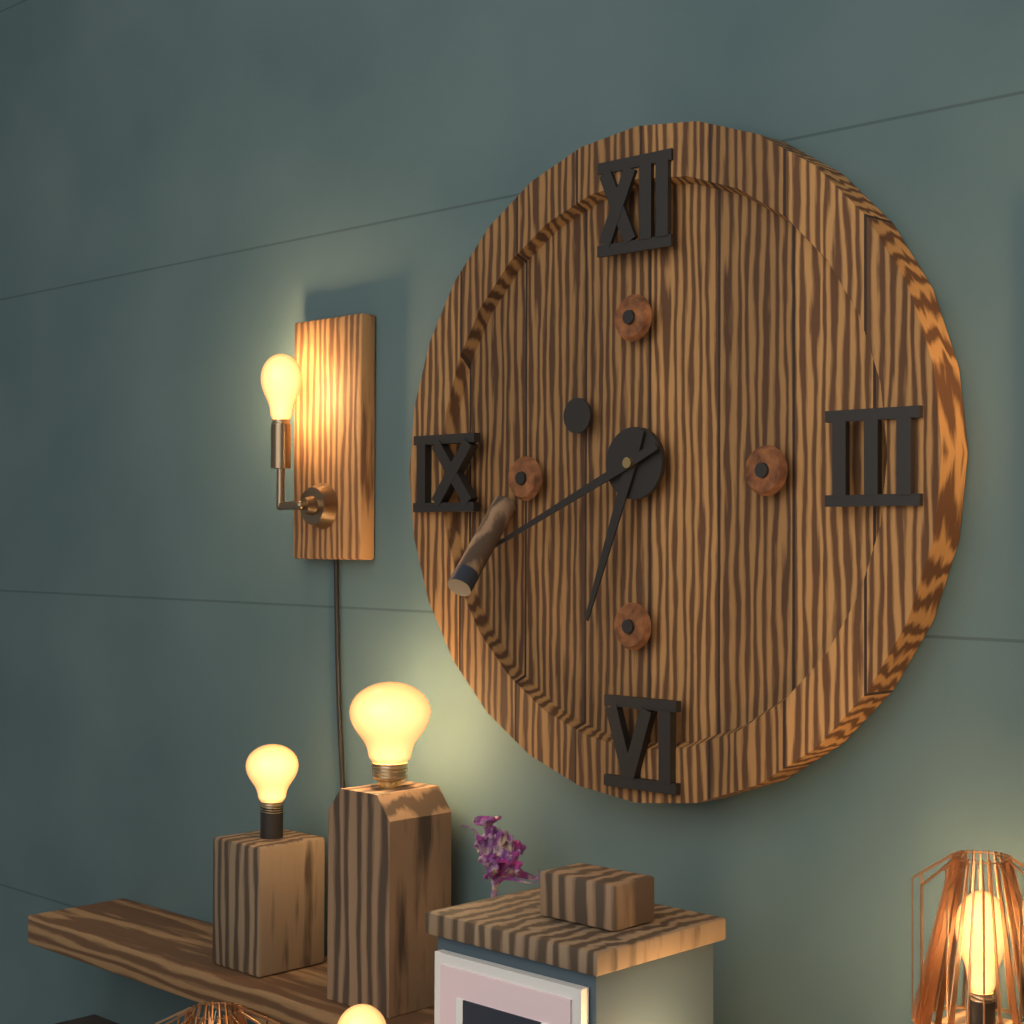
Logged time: 6 h 41 min
